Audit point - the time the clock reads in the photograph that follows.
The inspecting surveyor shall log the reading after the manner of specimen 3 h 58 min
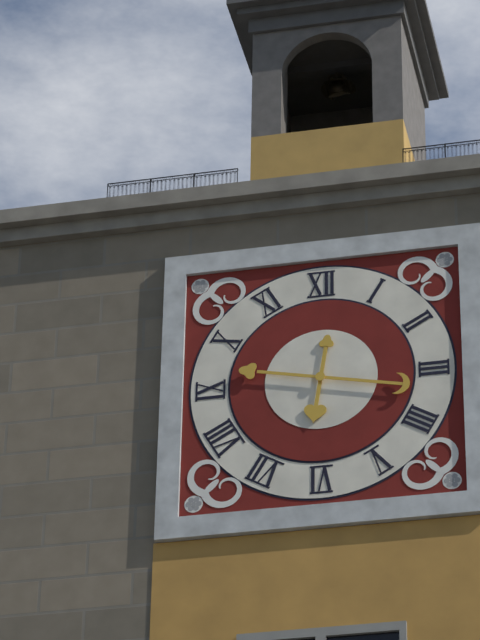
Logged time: 6 h 17 min
